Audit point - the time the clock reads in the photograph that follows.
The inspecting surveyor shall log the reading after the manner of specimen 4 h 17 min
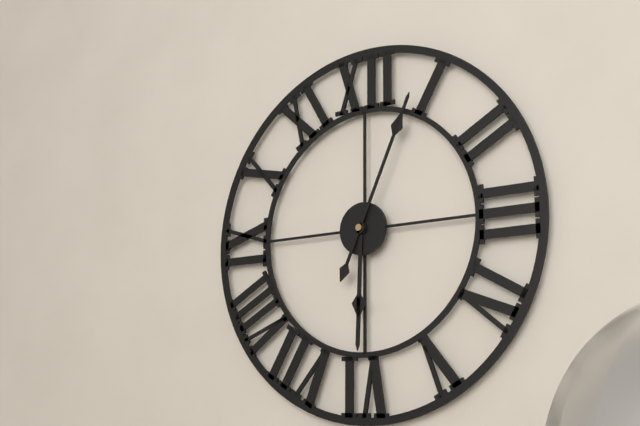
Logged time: 6 h 04 min
